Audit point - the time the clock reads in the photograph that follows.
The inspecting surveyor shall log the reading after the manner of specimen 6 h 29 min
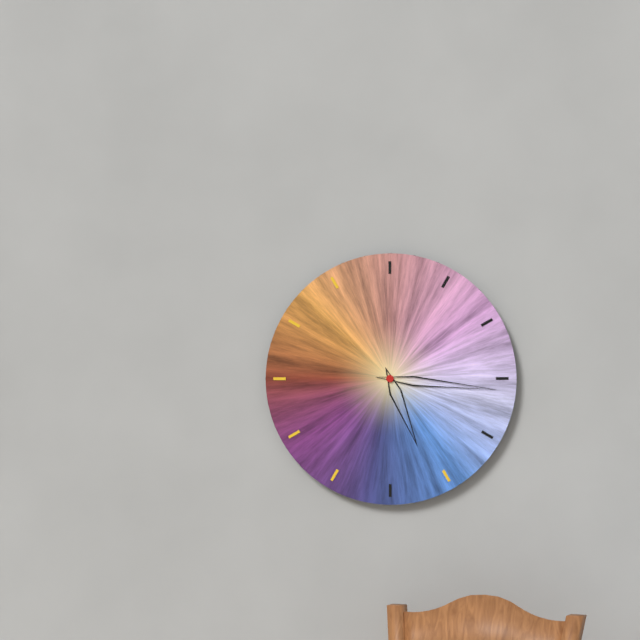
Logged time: 5 h 16 min
